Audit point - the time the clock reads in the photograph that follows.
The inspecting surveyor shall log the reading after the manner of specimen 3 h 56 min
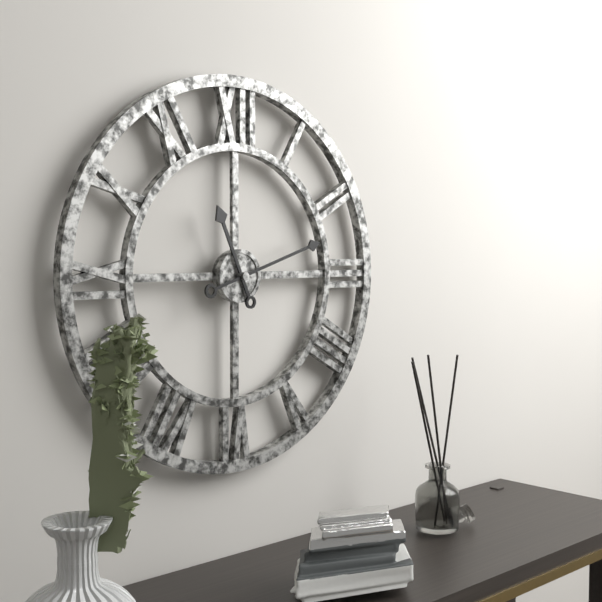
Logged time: 11 h 12 min
